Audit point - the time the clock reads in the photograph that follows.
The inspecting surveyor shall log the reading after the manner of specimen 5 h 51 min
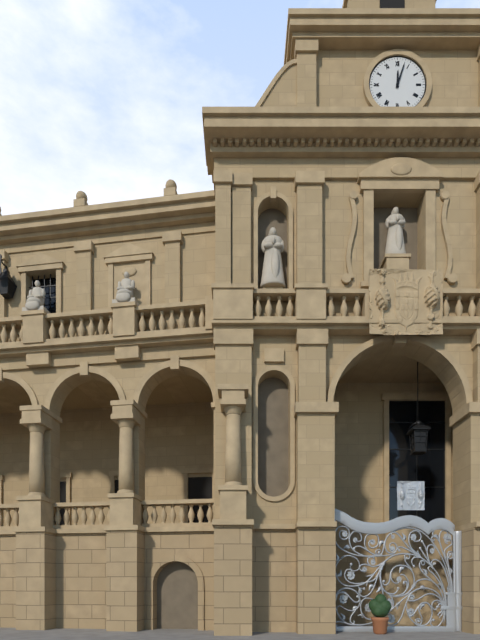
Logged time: 12 h 03 min
